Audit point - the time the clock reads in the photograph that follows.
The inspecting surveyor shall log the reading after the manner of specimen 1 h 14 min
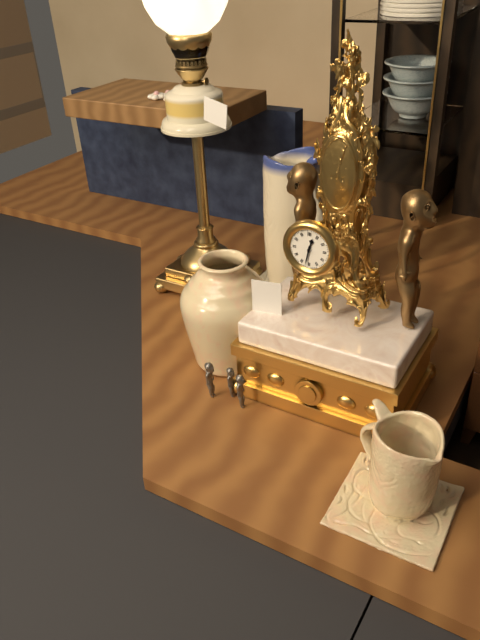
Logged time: 12 h 32 min
